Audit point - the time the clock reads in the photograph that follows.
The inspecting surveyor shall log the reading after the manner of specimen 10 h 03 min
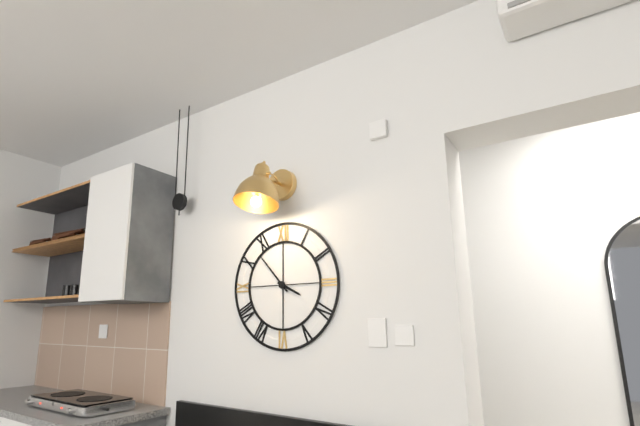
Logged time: 3 h 53 min
